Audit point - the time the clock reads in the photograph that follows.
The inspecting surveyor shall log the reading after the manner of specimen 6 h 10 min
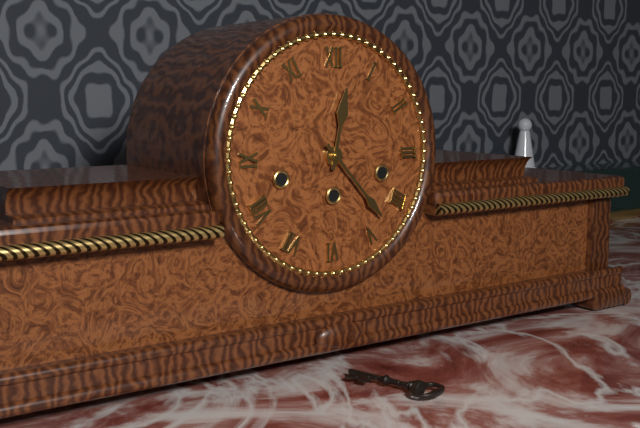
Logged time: 12 h 23 min
